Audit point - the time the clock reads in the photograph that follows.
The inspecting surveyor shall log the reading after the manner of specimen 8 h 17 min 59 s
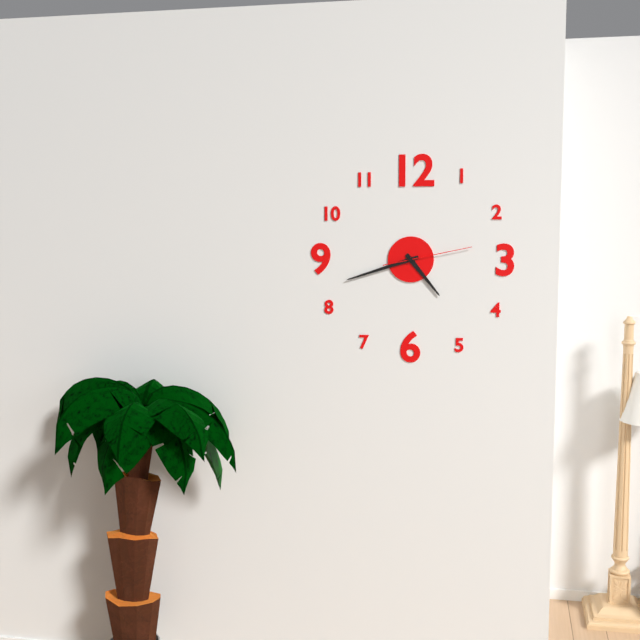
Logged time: 4 h 42 min 13 s
